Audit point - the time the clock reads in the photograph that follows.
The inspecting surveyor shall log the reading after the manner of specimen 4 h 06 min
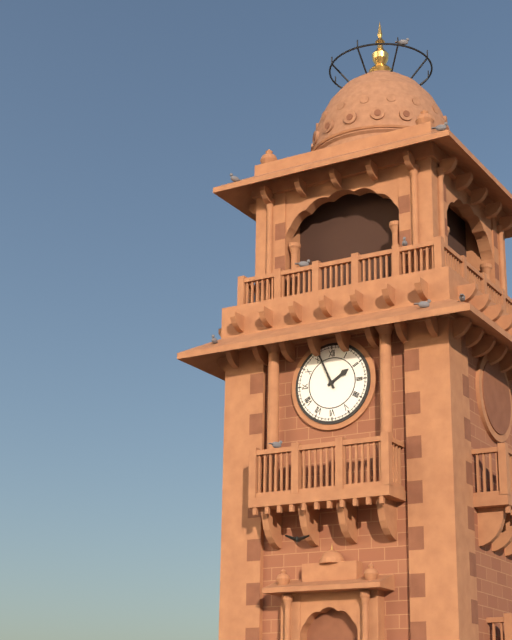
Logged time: 1 h 56 min
